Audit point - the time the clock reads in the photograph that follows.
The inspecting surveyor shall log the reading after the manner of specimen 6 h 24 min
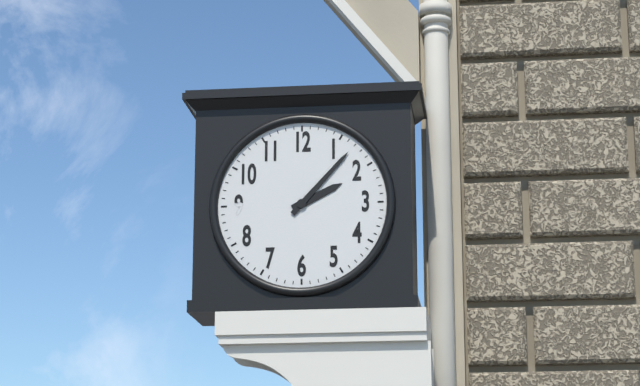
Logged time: 2 h 07 min
